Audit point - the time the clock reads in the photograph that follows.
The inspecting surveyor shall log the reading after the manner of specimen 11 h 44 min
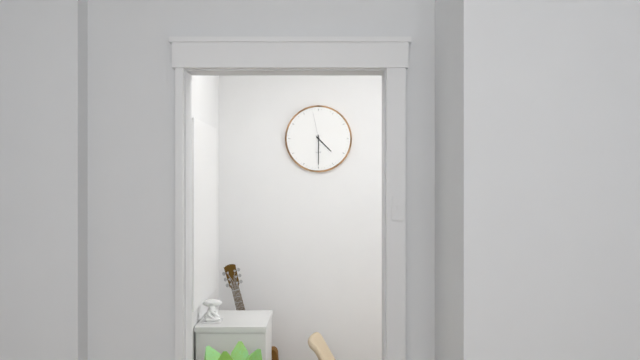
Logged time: 4 h 30 min
